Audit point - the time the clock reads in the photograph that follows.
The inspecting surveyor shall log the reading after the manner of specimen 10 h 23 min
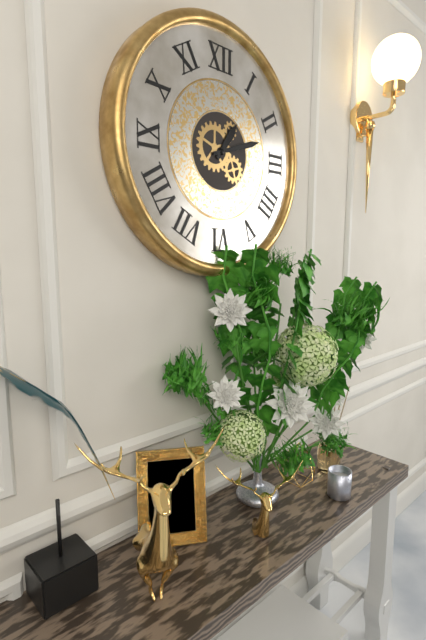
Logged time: 1 h 12 min
